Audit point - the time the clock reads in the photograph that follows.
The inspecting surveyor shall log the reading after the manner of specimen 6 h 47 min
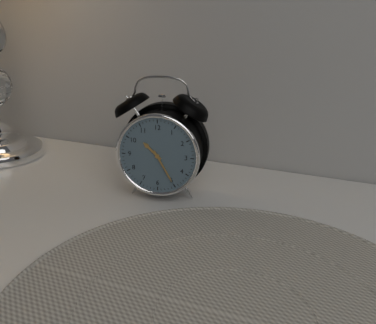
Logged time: 10 h 25 min
